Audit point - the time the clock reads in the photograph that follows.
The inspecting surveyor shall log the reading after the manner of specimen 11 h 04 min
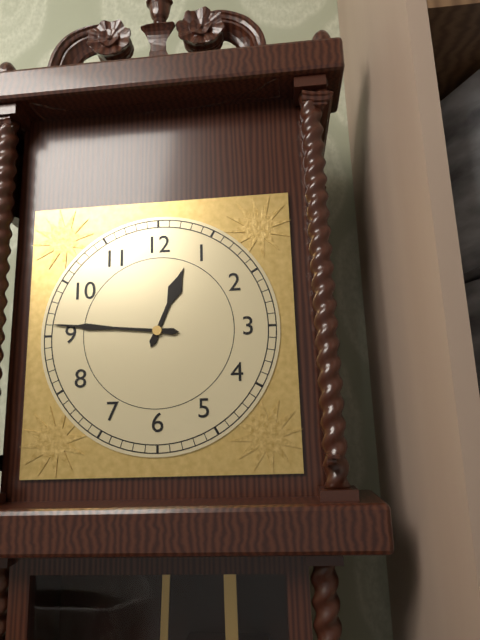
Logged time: 12 h 46 min
